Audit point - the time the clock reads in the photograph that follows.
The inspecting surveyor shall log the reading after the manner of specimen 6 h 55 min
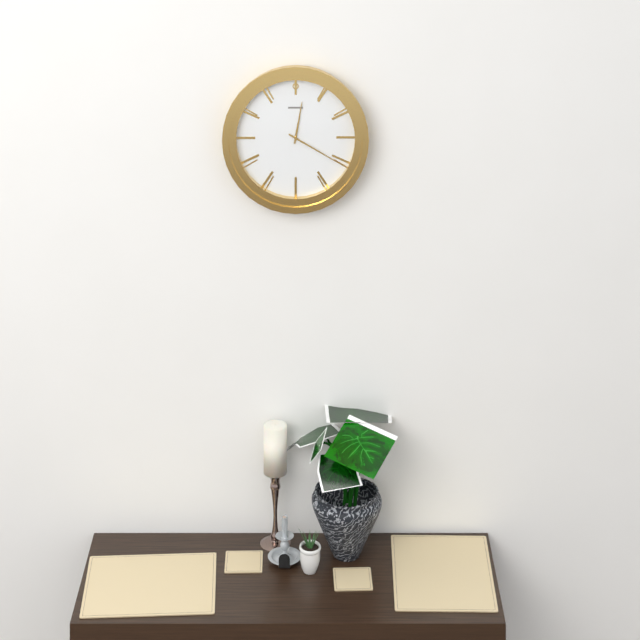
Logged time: 12 h 20 min
